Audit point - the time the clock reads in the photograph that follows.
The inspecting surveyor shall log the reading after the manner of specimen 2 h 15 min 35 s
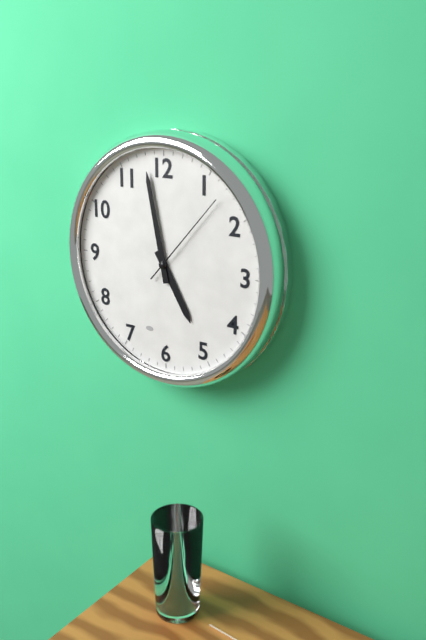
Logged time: 4 h 58 min 07 s
